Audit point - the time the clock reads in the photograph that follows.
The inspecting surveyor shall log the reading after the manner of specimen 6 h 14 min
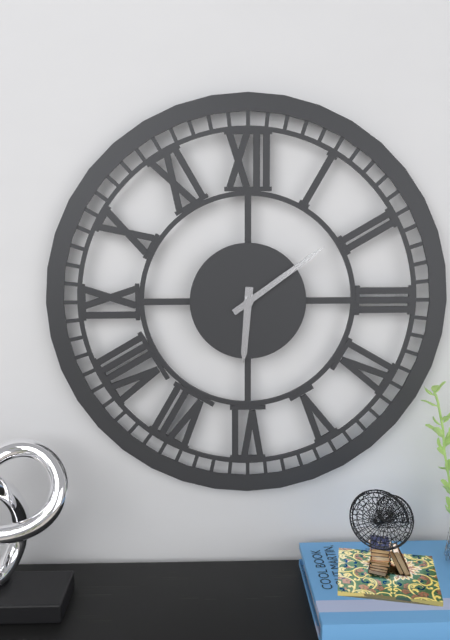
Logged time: 6 h 09 min
